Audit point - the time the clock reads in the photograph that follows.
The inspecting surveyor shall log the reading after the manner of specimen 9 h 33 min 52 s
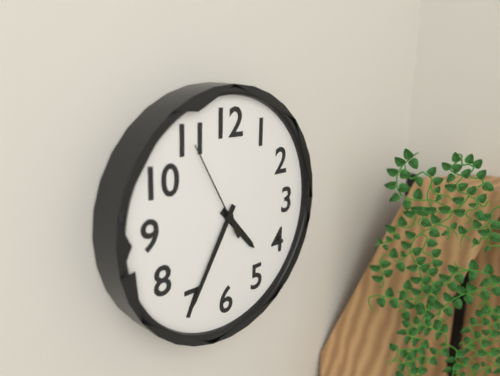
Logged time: 4 h 35 min 55 s
